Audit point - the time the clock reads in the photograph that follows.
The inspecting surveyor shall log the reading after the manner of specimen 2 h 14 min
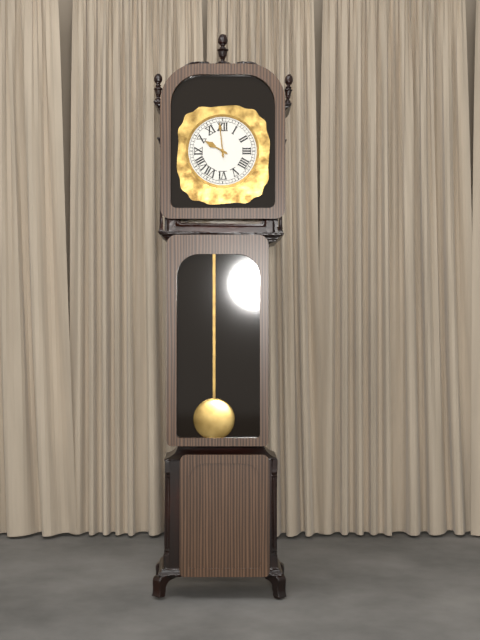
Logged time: 9 h 59 min
